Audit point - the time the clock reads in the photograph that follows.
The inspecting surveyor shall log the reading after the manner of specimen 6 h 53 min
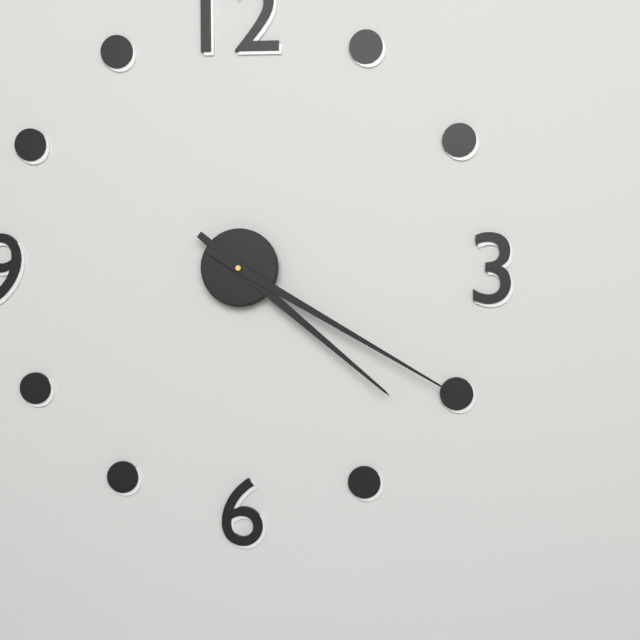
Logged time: 4 h 20 min
